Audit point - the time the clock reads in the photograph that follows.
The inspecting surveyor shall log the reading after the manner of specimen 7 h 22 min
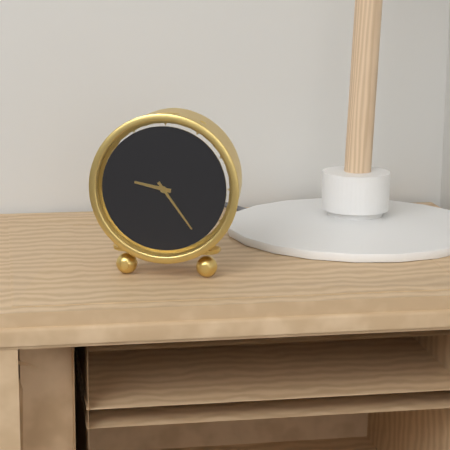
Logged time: 9 h 24 min
